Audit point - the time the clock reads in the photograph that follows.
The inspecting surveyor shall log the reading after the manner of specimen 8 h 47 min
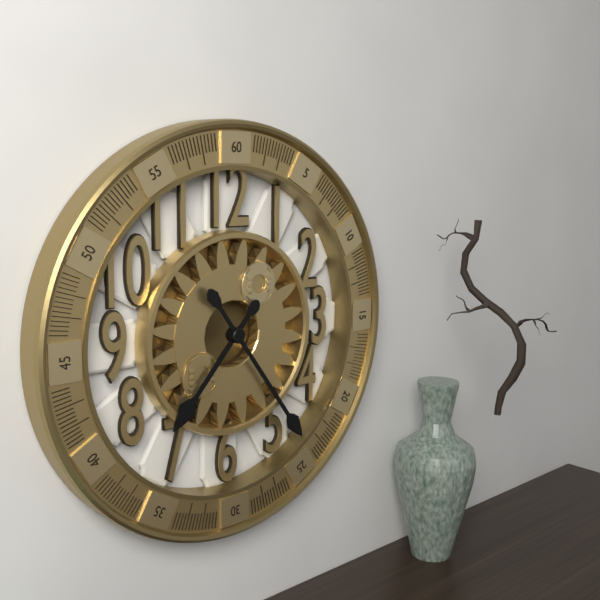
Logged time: 7 h 24 min
